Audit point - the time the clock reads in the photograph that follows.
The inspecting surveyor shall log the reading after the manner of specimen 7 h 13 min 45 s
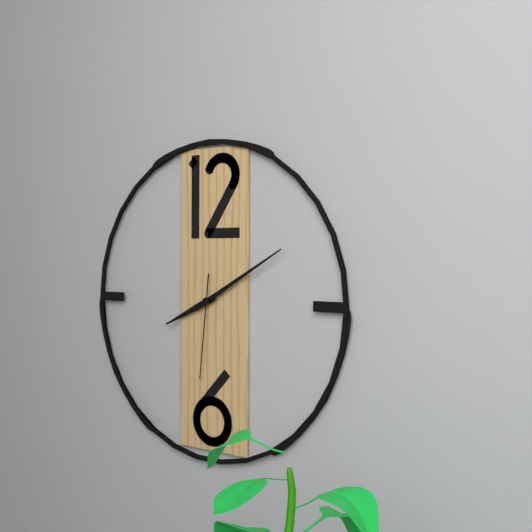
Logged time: 8 h 10 min 31 s
